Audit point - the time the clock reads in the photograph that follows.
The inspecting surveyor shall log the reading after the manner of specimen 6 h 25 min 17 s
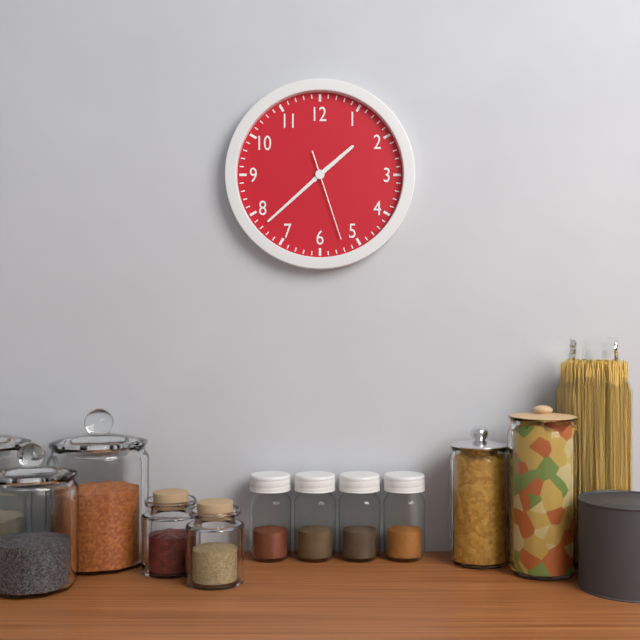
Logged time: 1 h 38 min 27 s
